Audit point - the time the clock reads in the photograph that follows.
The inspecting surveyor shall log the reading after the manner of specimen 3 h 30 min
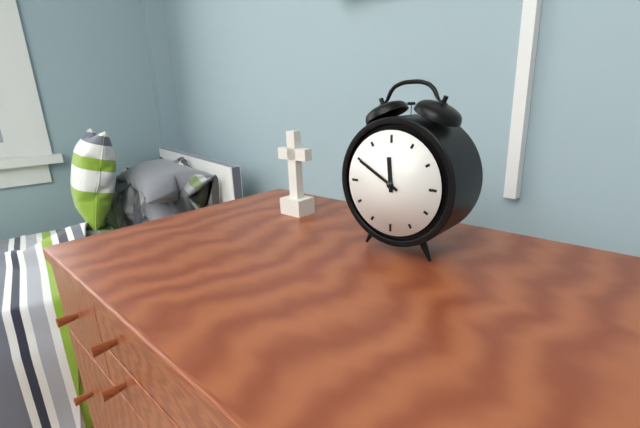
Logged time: 11 h 50 min
